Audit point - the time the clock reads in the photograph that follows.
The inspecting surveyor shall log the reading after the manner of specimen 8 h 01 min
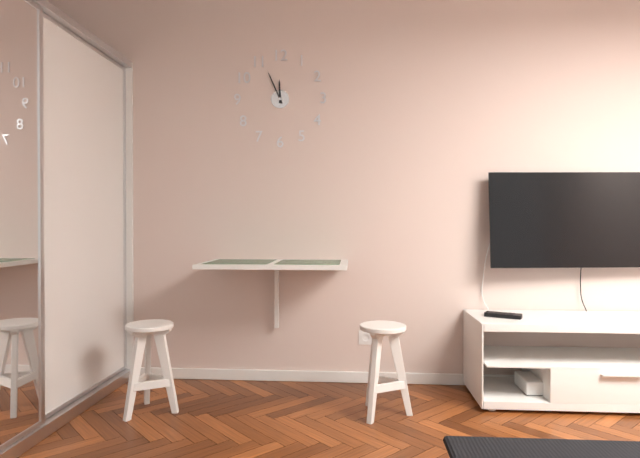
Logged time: 11 h 56 min
